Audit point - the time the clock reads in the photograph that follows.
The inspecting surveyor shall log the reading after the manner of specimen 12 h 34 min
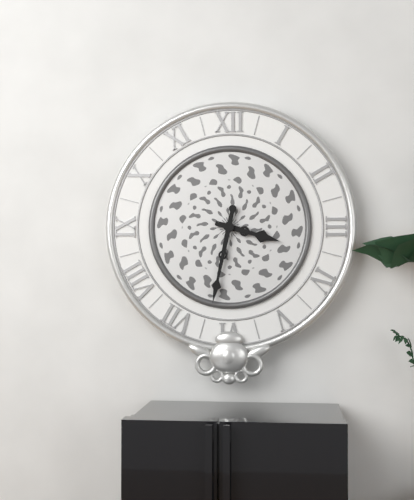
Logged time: 3 h 32 min
